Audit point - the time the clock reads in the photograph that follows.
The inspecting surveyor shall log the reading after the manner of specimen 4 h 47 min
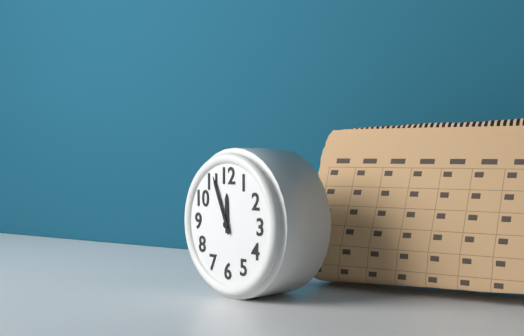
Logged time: 11 h 56 min
